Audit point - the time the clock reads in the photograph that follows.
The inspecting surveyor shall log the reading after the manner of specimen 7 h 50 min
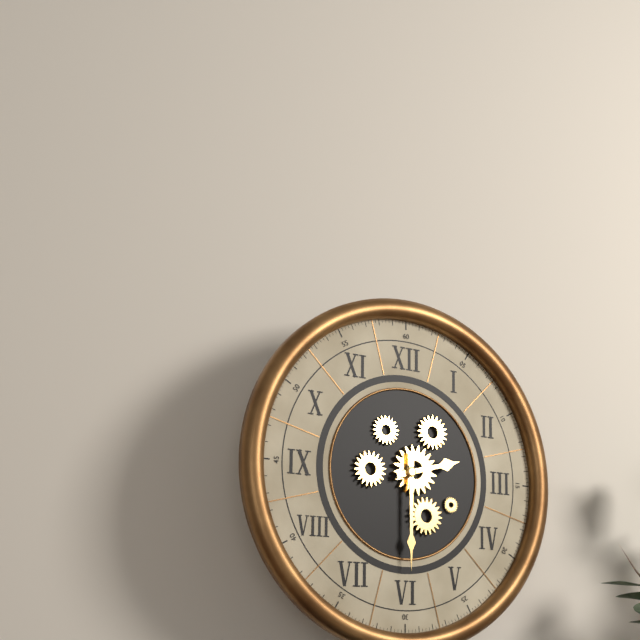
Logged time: 2 h 30 min
